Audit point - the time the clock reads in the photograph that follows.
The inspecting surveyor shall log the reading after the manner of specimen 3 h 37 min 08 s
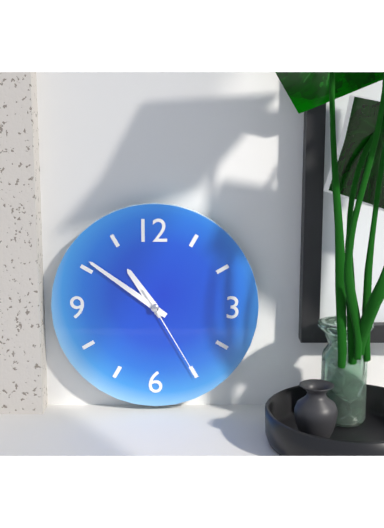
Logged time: 10 h 51 min 25 s
